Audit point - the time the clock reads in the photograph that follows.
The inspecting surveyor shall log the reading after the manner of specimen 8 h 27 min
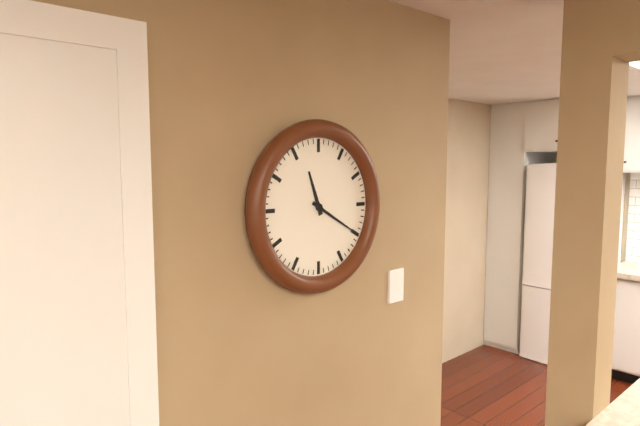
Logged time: 11 h 20 min
